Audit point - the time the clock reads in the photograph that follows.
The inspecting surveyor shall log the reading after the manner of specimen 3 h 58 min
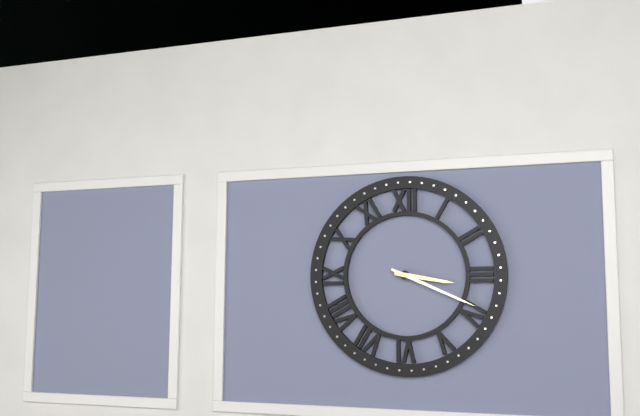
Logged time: 3 h 19 min
